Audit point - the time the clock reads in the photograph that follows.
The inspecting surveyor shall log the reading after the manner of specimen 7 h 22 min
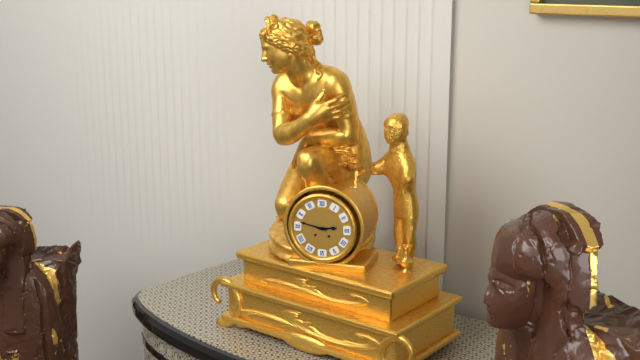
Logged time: 2 h 47 min
